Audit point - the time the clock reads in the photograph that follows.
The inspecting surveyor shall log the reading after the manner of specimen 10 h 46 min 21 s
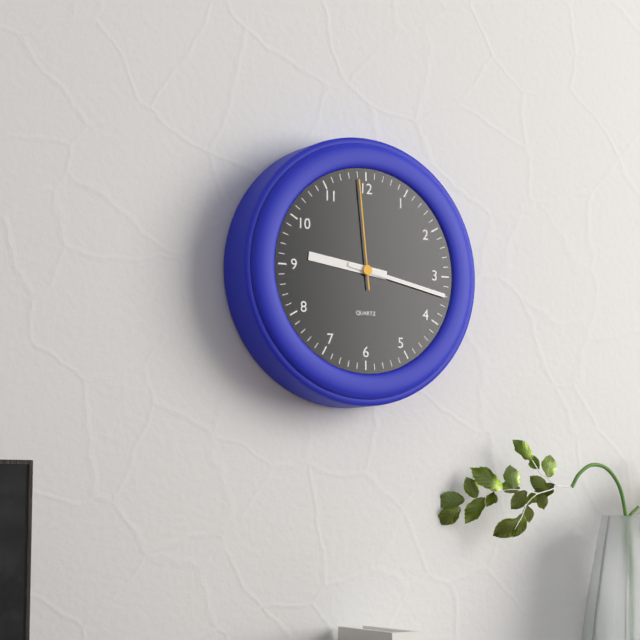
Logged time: 9 h 17 min 59 s
